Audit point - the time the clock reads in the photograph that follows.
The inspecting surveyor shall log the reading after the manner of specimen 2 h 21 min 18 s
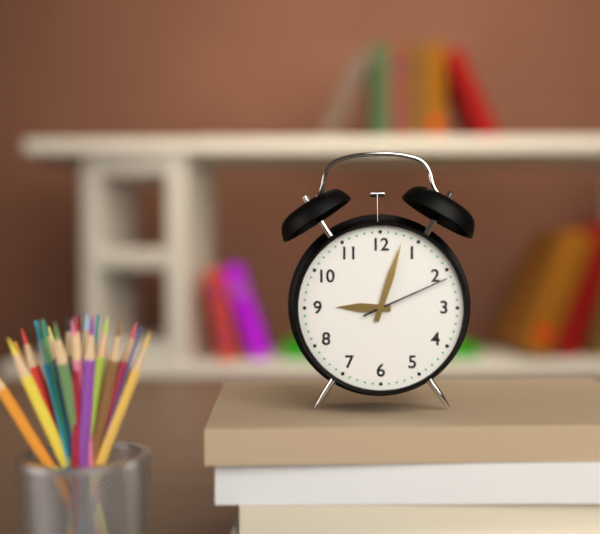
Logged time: 9 h 03 min 11 s
